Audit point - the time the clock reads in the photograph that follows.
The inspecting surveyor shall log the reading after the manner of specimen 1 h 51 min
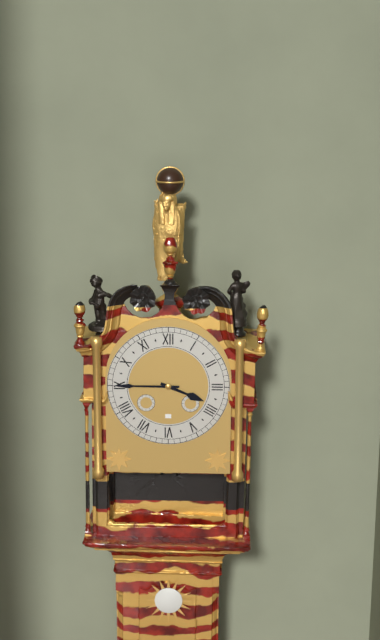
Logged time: 3 h 45 min
